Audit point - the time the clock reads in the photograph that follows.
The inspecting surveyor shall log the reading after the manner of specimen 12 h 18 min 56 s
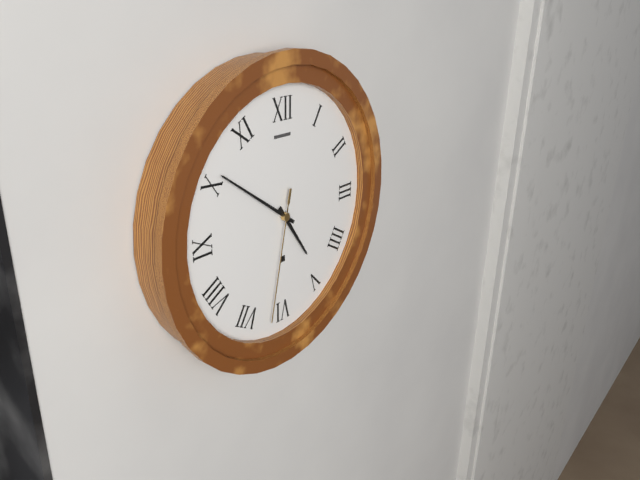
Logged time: 4 h 51 min 32 s
